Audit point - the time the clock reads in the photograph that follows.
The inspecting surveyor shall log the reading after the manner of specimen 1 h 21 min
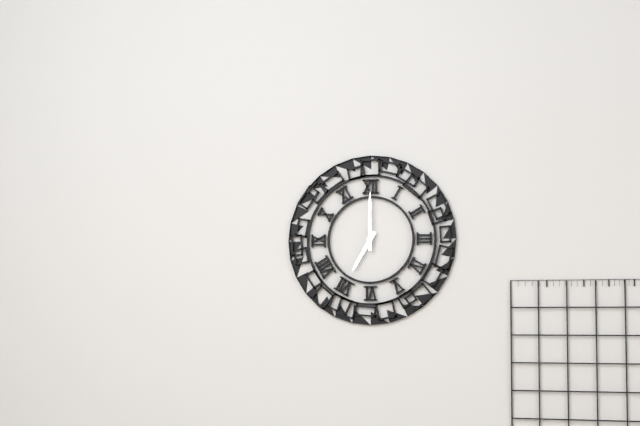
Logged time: 7 h 00 min
